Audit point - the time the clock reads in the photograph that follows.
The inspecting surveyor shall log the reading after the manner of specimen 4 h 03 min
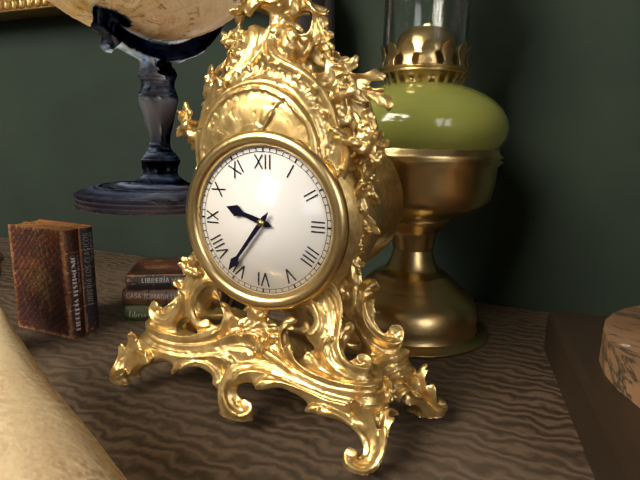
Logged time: 9 h 36 min
